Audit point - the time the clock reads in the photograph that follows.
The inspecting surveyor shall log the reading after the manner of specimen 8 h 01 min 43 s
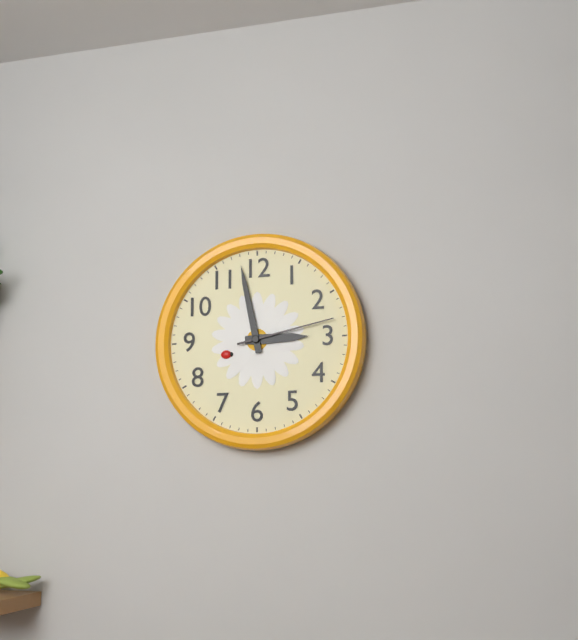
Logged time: 2 h 58 min 13 s
